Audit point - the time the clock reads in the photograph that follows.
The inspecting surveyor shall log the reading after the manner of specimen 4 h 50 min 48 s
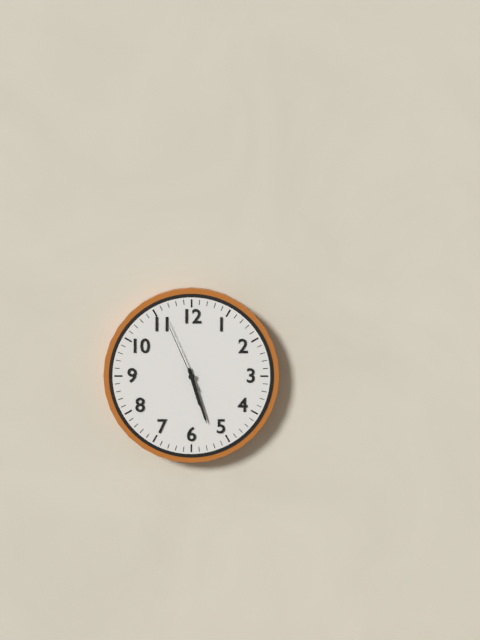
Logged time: 5 h 27 min 56 s
